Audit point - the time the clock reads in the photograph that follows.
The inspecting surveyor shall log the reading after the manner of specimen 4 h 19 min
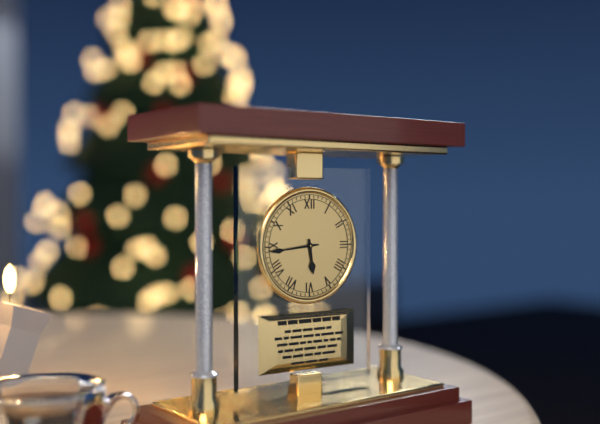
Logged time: 5 h 44 min
